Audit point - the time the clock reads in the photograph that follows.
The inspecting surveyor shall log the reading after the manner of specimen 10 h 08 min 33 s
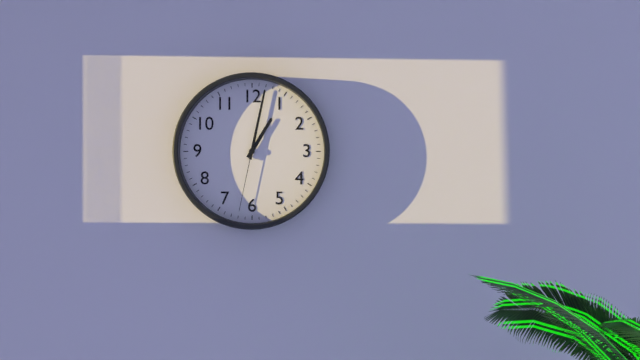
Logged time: 1 h 02 min 32 s
